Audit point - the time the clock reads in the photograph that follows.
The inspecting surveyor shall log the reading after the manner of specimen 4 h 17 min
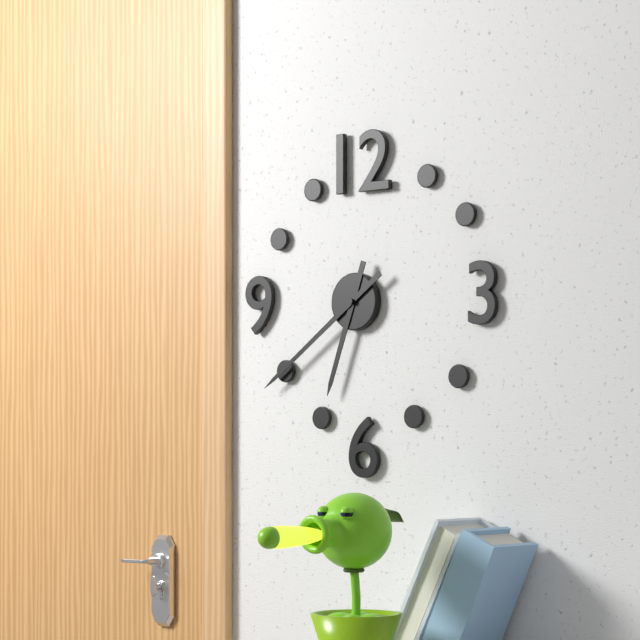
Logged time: 6 h 39 min
